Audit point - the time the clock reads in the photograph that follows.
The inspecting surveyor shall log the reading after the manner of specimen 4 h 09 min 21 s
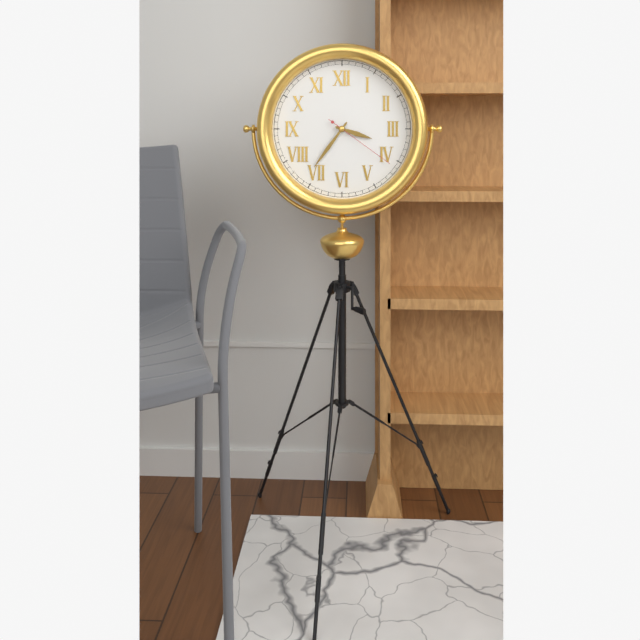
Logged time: 3 h 36 min 21 s
